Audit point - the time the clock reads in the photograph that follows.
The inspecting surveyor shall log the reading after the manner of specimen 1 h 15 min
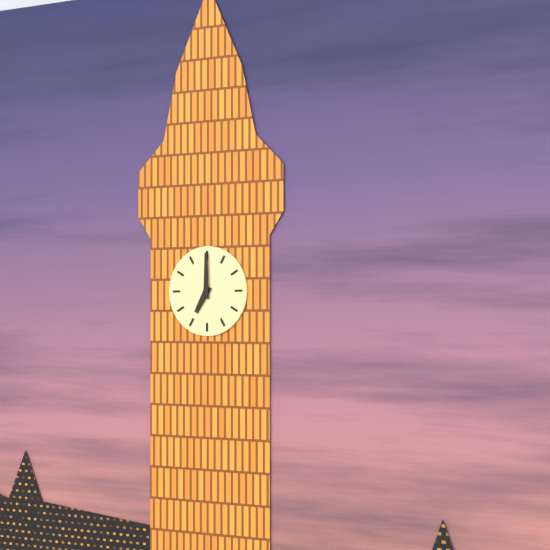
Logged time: 7 h 00 min
